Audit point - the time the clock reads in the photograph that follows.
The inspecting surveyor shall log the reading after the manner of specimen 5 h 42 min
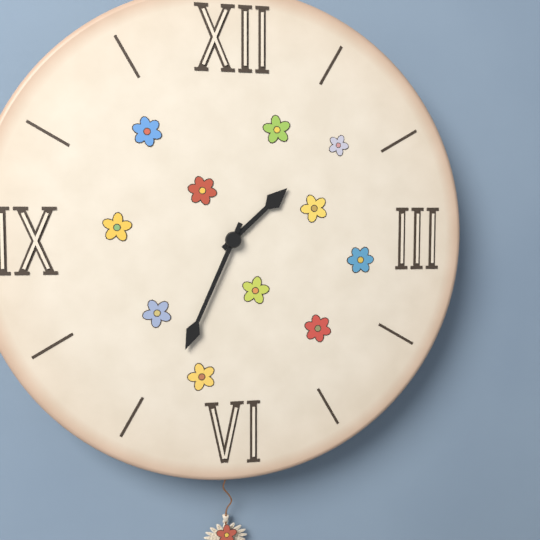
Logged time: 1 h 34 min
